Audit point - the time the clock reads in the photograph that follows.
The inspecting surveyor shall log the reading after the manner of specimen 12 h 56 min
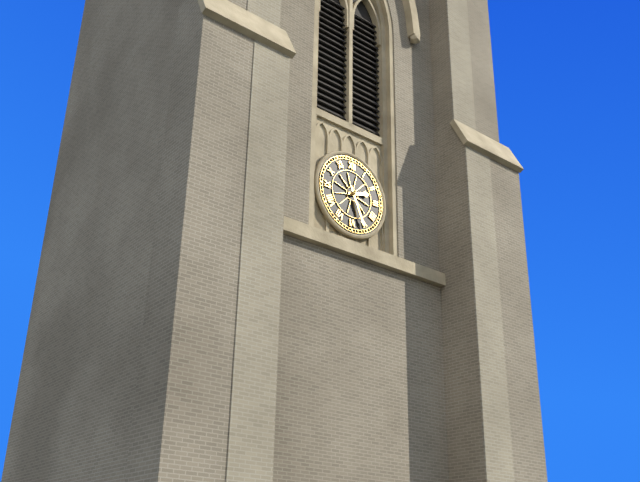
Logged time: 2 h 26 min
